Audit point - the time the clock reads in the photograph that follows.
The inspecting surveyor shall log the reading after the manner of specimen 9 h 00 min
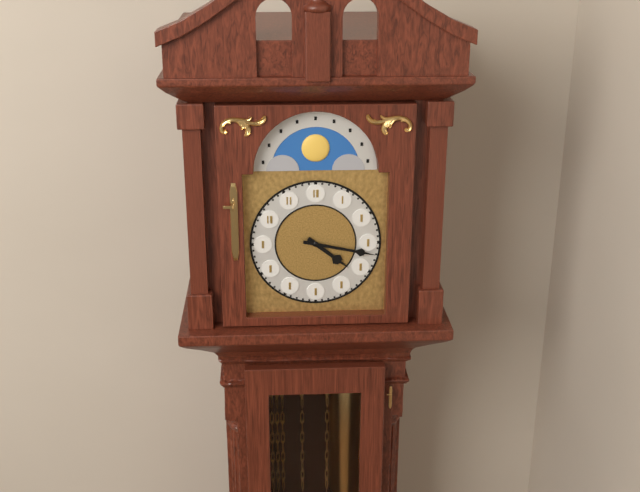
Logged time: 4 h 17 min
